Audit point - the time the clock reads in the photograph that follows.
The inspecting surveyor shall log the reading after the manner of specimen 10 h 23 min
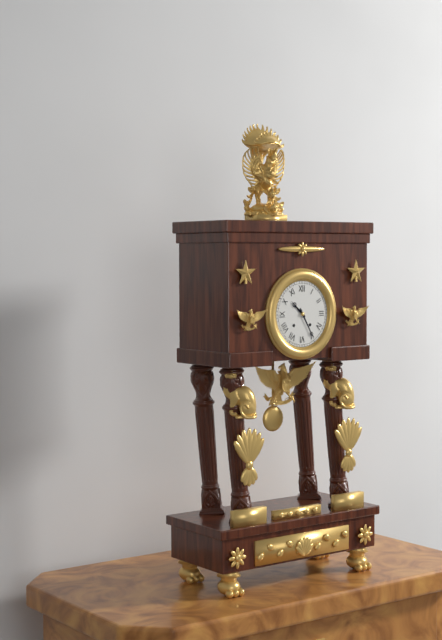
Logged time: 10 h 25 min
